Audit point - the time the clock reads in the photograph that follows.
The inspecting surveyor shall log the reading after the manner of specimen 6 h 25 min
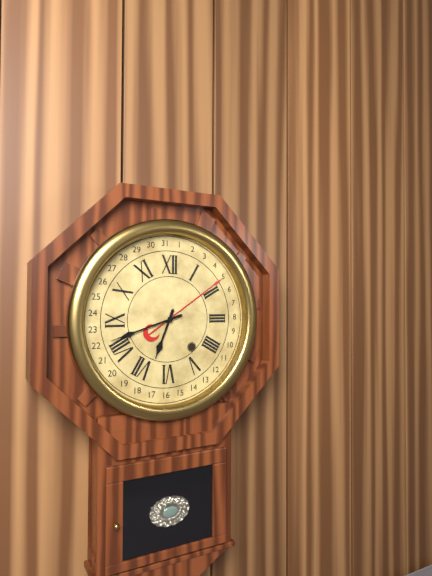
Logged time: 6 h 42 min
